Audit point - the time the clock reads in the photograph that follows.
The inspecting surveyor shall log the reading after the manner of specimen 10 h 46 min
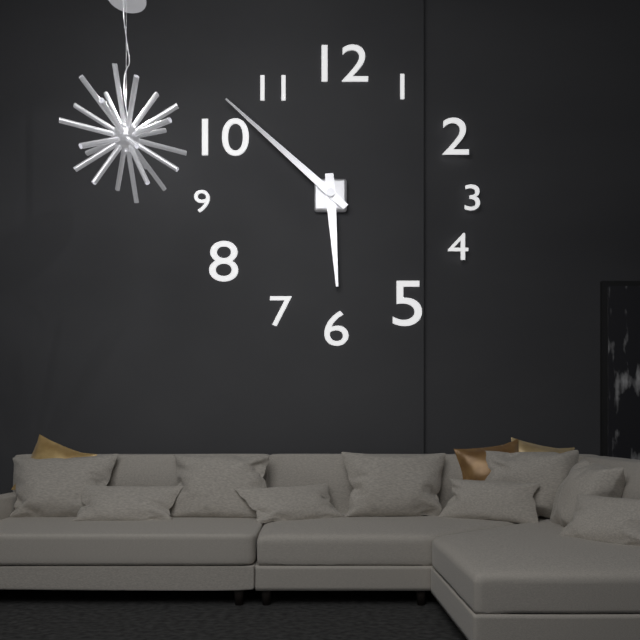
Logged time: 5 h 52 min
